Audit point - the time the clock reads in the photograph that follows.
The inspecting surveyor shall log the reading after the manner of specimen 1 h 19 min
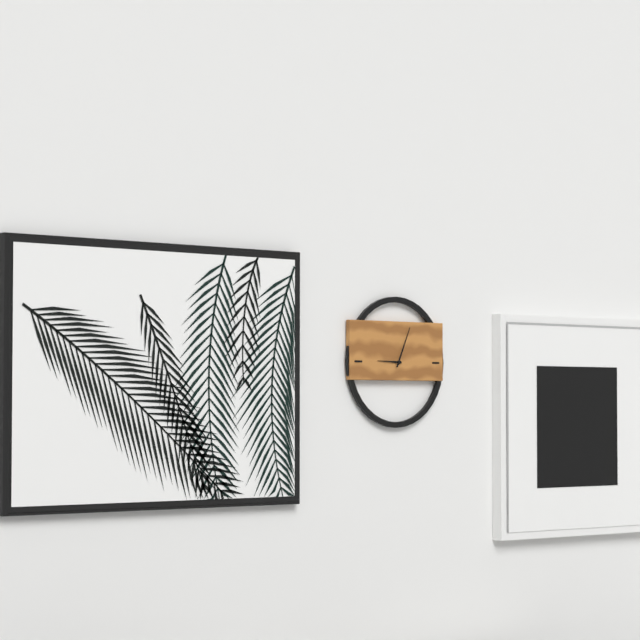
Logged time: 9 h 04 min
